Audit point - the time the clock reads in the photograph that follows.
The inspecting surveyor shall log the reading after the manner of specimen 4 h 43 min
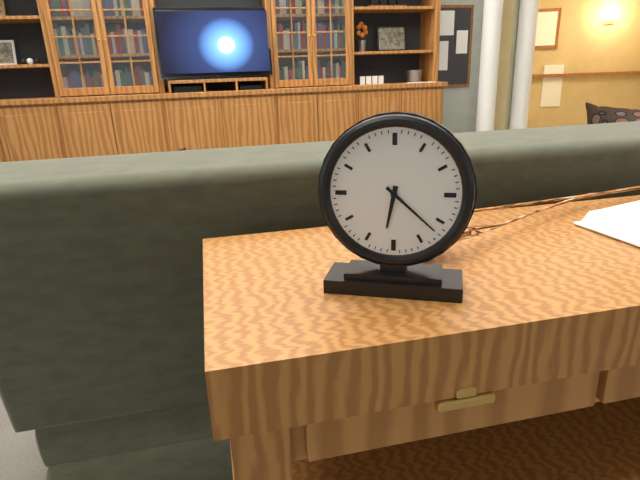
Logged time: 6 h 22 min
